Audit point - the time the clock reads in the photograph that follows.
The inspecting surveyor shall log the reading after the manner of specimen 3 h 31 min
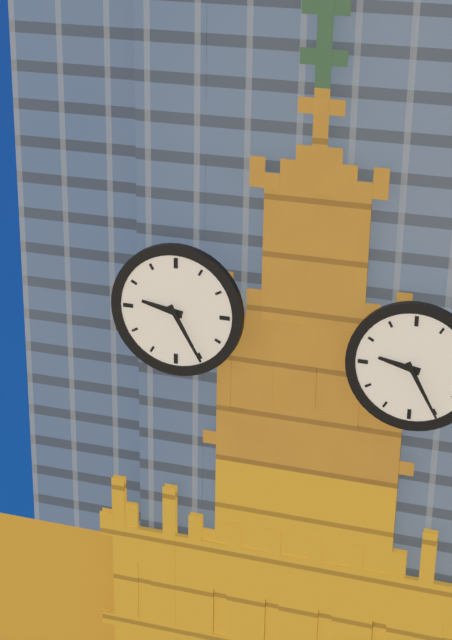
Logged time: 9 h 25 min
